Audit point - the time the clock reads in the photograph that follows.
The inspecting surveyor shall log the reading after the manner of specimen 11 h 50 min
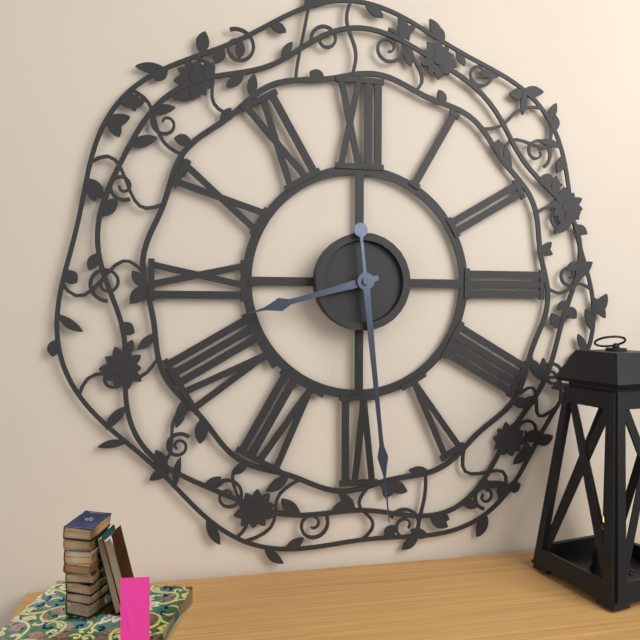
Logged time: 8 h 29 min
